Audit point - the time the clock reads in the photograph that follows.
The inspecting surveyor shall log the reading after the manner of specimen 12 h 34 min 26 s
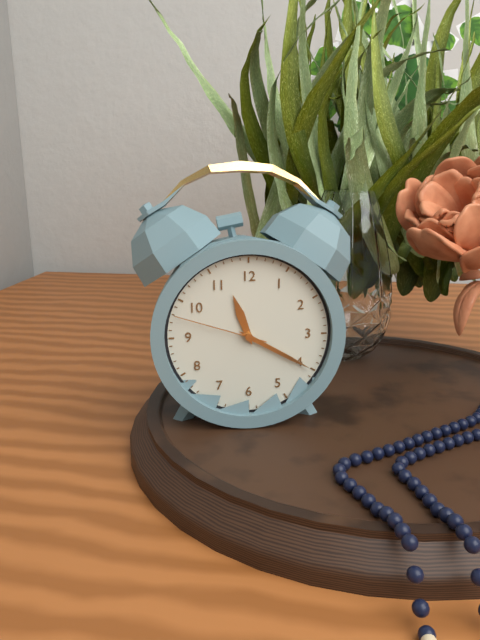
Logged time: 11 h 20 min 48 s
